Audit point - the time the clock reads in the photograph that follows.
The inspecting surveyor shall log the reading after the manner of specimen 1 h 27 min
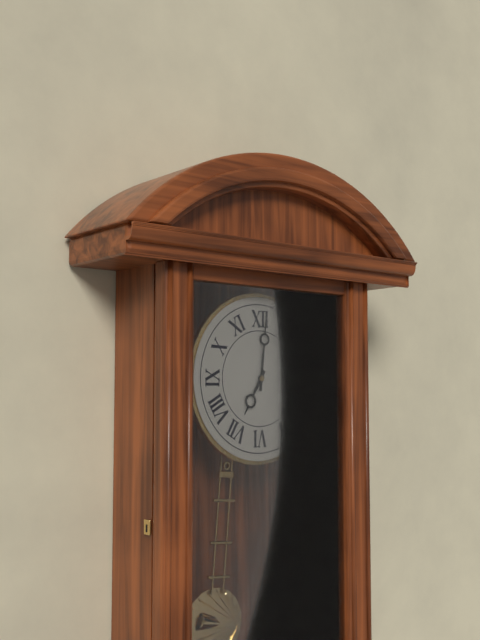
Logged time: 7 h 01 min
